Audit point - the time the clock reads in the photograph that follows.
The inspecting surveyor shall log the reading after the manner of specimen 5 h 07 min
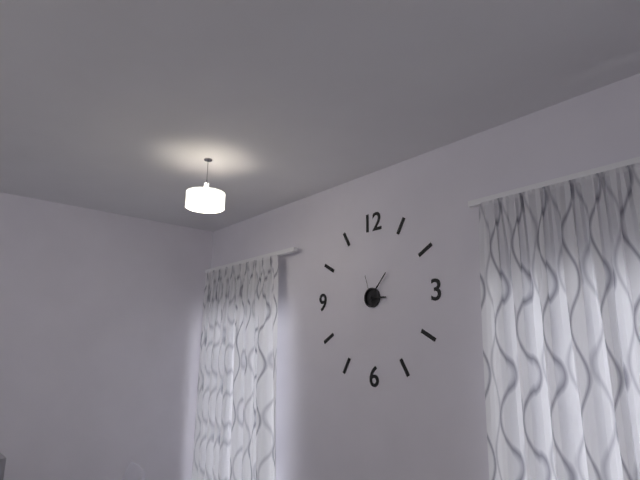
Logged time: 3 h 07 min
